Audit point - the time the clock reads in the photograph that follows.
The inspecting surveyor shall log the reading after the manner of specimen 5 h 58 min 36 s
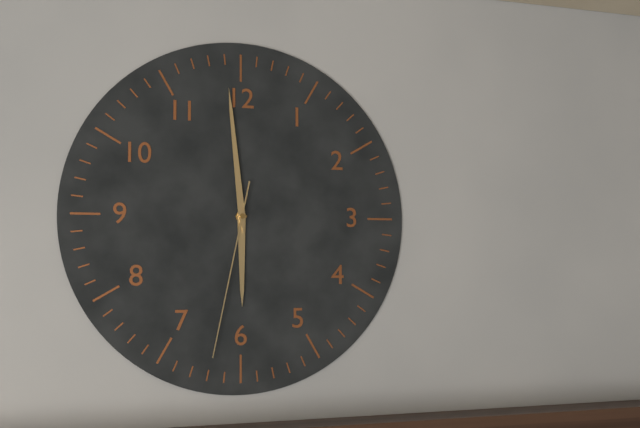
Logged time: 5 h 59 min 32 s
